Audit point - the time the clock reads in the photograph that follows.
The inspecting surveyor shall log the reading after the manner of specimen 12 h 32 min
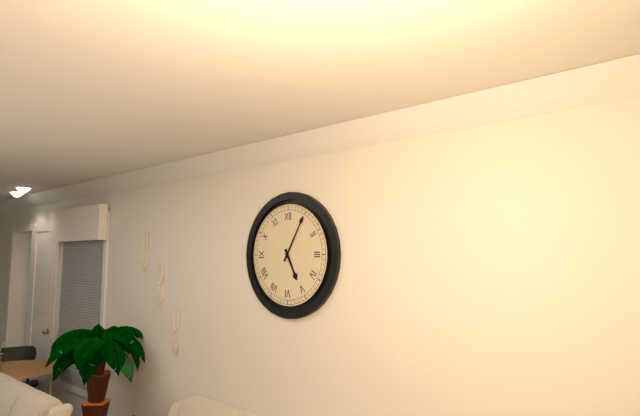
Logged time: 5 h 05 min
